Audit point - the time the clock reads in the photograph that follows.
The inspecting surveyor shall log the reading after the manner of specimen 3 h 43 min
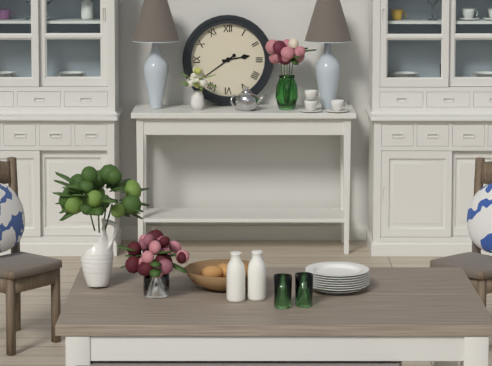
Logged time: 2 h 39 min
